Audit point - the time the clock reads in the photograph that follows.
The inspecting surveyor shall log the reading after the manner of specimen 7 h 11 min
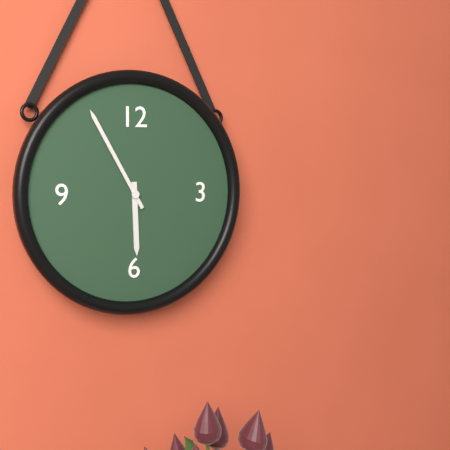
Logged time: 5 h 55 min
